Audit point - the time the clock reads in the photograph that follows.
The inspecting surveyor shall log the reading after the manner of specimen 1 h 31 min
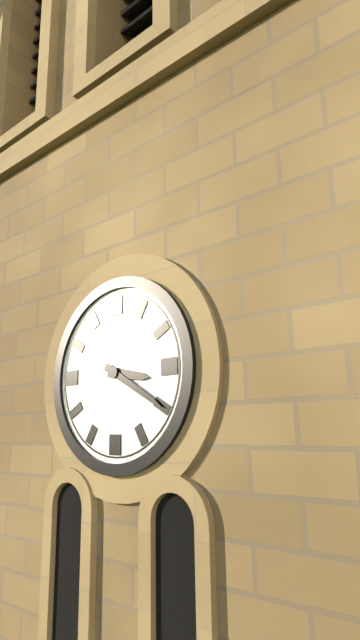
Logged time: 3 h 20 min
